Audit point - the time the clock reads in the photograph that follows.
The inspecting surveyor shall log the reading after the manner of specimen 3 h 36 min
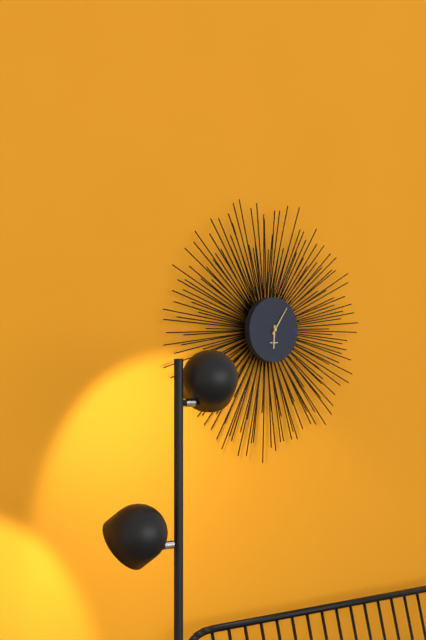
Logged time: 6 h 06 min
